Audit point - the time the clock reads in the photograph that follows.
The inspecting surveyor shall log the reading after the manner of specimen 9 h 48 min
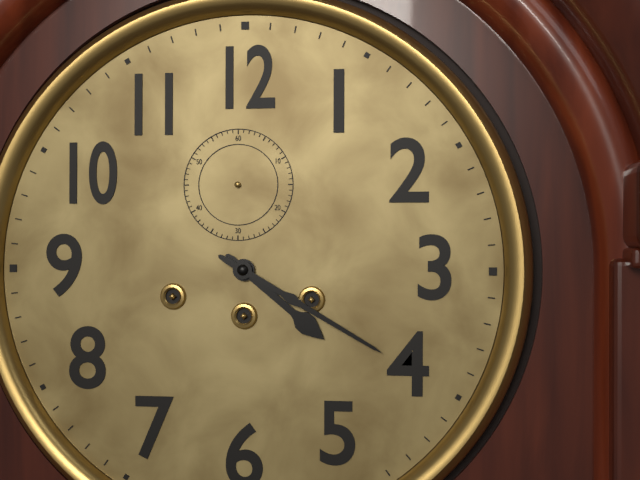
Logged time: 4 h 20 min
